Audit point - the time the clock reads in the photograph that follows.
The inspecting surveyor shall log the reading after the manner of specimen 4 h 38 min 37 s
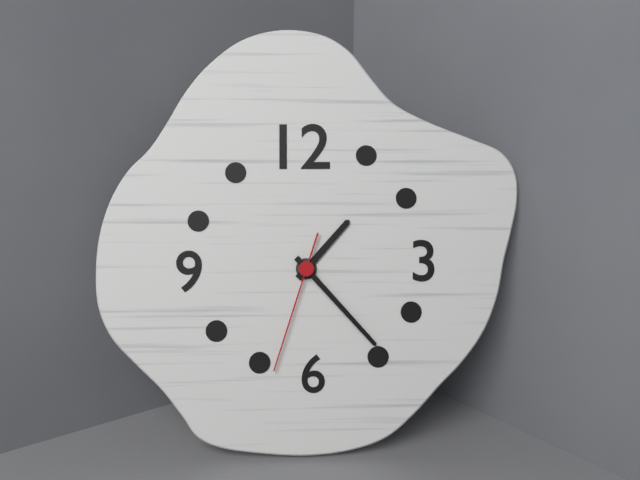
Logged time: 1 h 23 min 33 s
